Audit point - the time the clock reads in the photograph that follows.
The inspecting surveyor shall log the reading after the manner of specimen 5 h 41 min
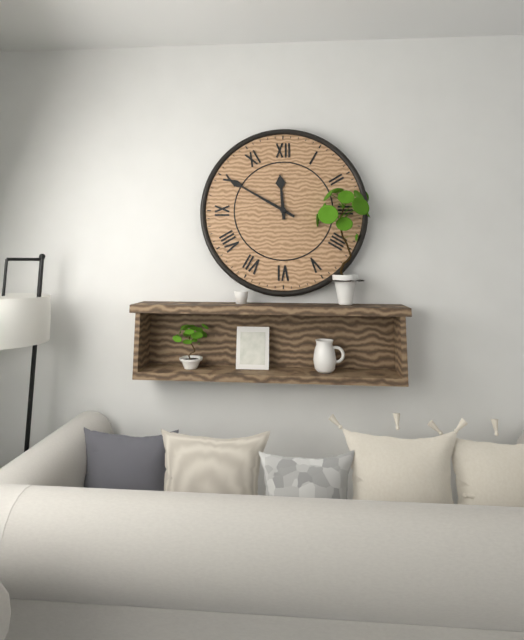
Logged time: 11 h 50 min
